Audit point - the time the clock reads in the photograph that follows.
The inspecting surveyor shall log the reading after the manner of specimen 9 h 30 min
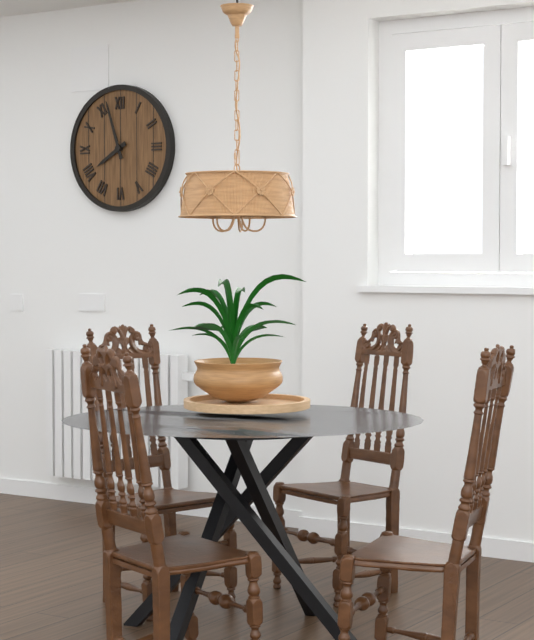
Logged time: 7 h 57 min
